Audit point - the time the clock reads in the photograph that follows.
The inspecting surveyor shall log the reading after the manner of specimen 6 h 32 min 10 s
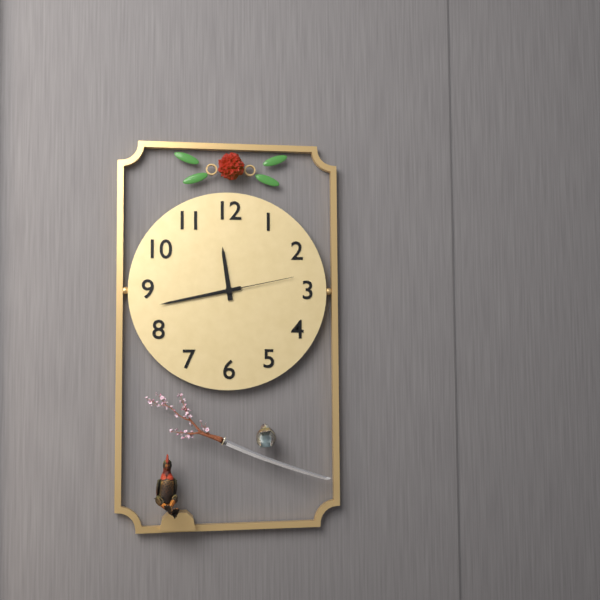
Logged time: 11 h 43 min 13 s
